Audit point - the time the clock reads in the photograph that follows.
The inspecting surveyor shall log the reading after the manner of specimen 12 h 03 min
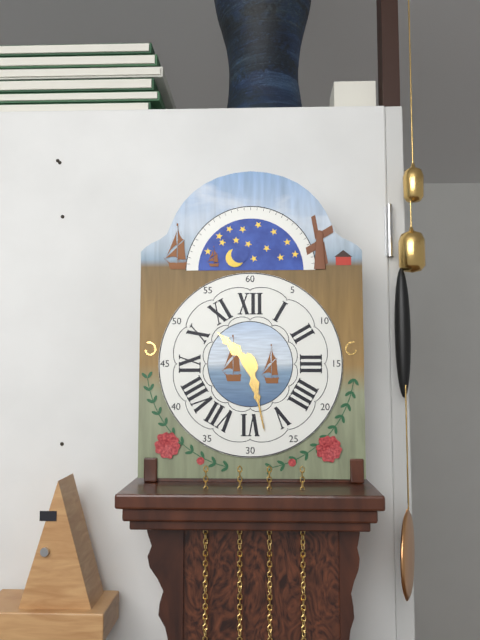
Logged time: 10 h 28 min
